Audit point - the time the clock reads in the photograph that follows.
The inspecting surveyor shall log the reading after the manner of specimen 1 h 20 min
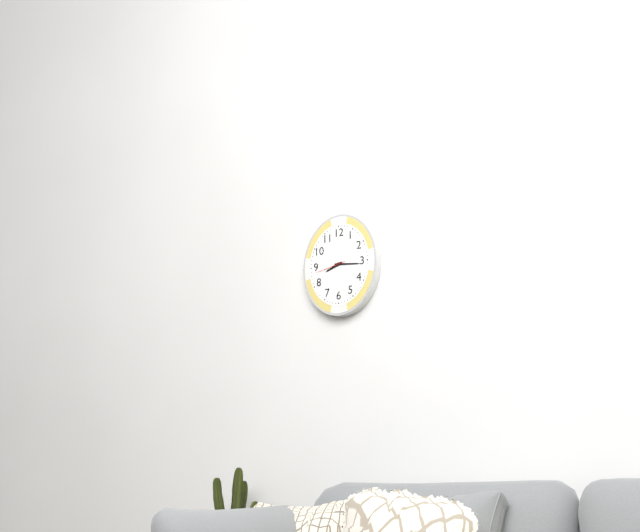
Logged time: 8 h 16 min
